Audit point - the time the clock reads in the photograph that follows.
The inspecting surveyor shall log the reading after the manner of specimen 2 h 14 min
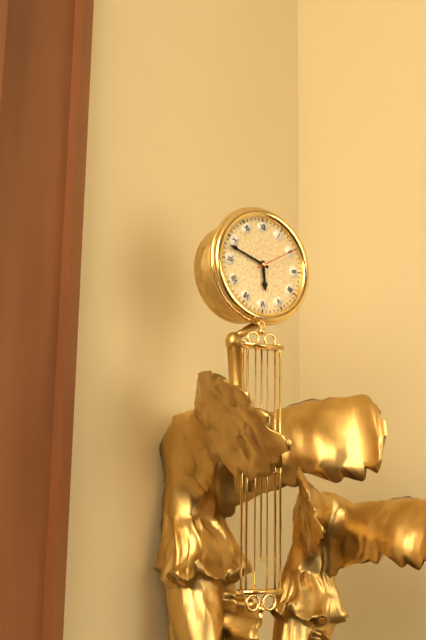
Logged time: 5 h 48 min
